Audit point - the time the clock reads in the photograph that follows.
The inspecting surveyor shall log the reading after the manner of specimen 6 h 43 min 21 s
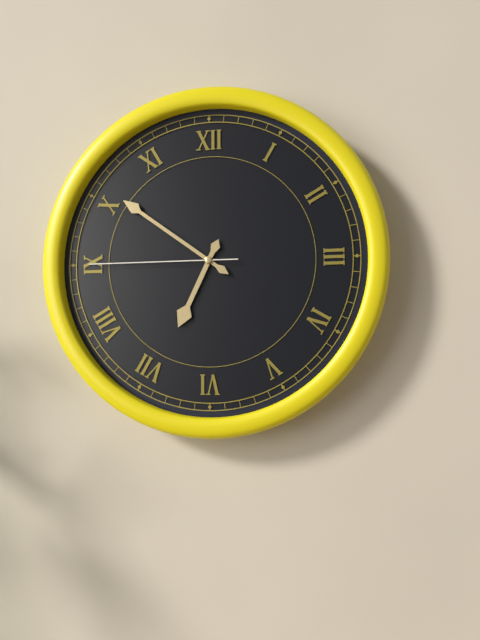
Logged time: 6 h 51 min 45 s
